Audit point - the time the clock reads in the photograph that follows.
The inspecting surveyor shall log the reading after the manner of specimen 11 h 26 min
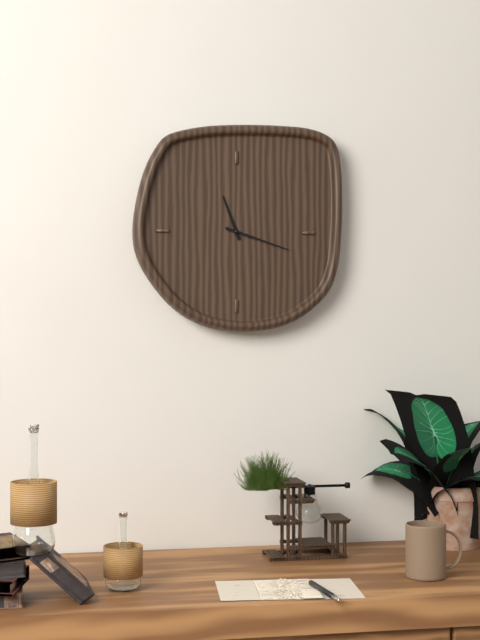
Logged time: 11 h 18 min
